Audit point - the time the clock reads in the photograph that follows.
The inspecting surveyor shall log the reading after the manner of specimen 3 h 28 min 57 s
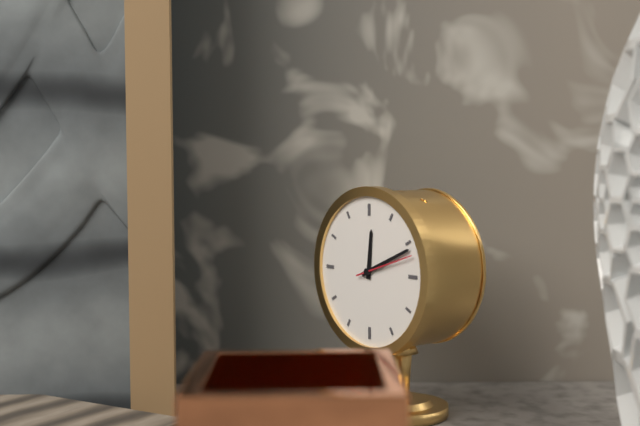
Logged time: 12 h 11 min 12 s
